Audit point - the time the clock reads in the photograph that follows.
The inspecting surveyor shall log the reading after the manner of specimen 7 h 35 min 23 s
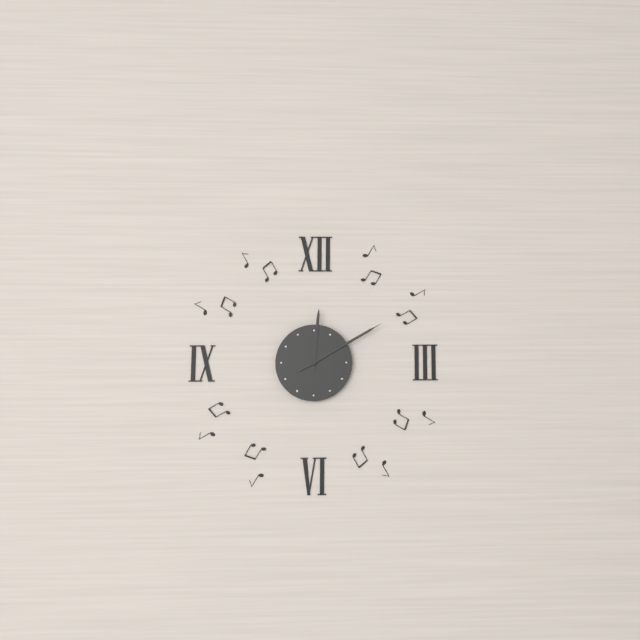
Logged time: 12 h 10 min 10 s
